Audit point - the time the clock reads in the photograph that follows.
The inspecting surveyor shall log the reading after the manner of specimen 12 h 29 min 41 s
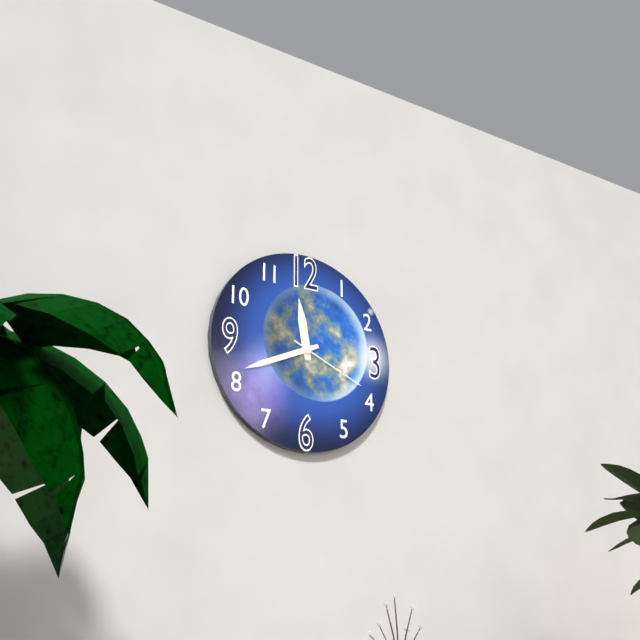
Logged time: 11 h 41 min 19 s
